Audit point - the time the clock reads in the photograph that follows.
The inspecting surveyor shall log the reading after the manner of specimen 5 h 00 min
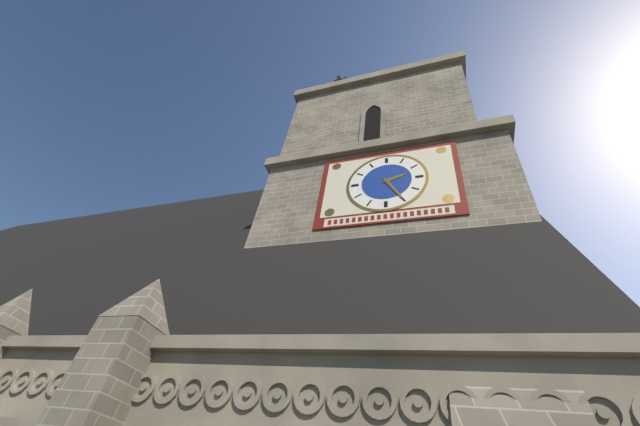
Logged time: 2 h 25 min
